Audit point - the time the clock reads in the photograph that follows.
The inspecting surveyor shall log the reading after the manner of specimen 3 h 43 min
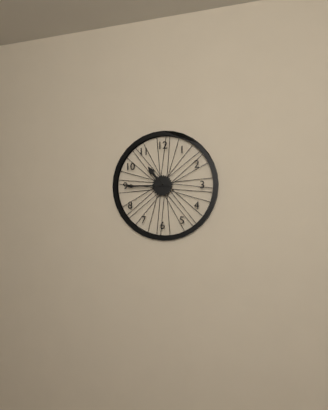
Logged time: 10 h 45 min
